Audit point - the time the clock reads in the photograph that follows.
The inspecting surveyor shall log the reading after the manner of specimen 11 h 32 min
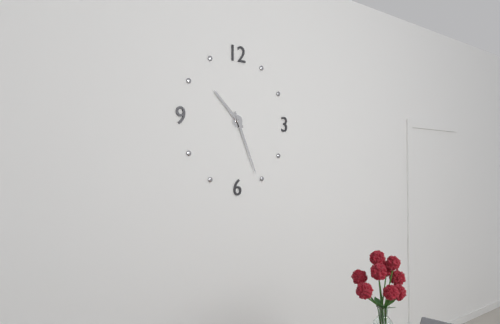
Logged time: 10 h 26 min
